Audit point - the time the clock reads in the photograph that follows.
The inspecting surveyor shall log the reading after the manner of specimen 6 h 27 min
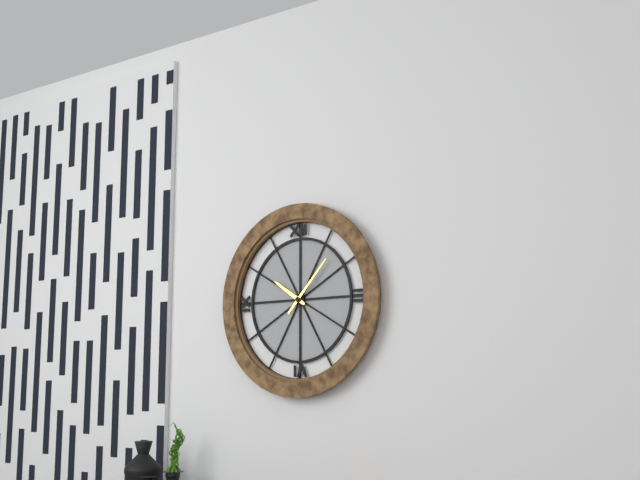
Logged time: 10 h 07 min
